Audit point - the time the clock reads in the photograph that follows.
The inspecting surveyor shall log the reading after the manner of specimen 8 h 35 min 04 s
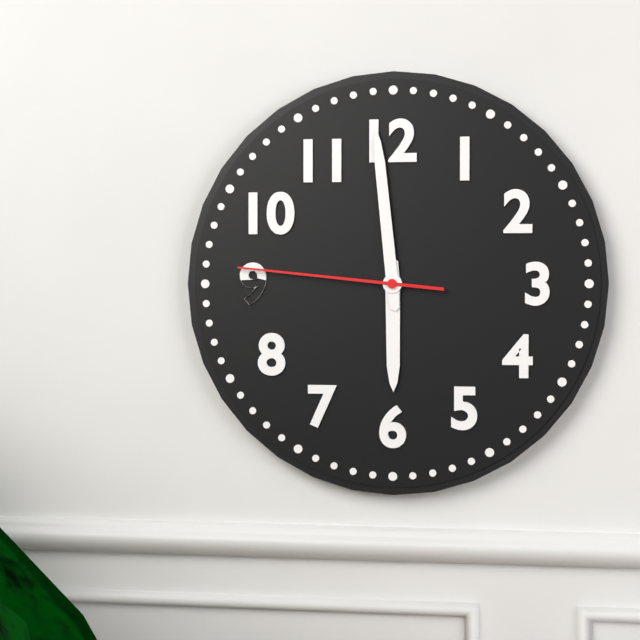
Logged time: 5 h 59 min 46 s
